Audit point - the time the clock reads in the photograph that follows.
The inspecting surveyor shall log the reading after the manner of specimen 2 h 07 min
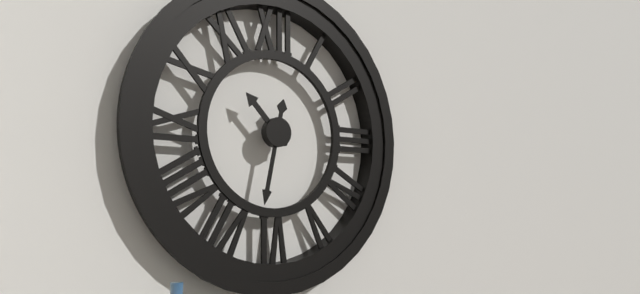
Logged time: 10 h 32 min
